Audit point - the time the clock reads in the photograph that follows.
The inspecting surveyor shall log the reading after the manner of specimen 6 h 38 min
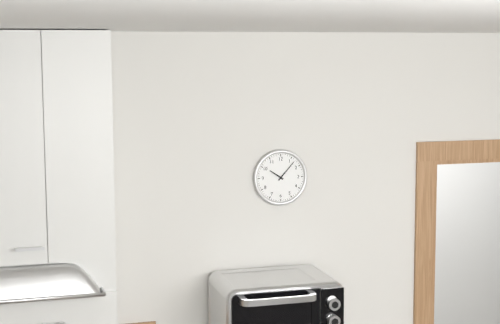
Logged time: 10 h 07 min
